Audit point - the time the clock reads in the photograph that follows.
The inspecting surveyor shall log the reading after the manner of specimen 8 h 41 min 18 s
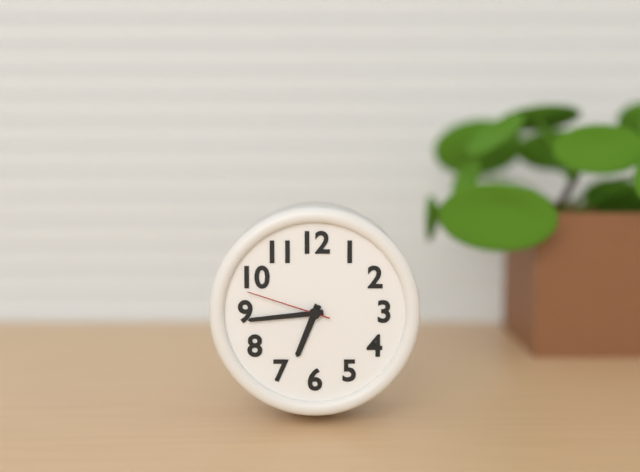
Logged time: 6 h 44 min 48 s
